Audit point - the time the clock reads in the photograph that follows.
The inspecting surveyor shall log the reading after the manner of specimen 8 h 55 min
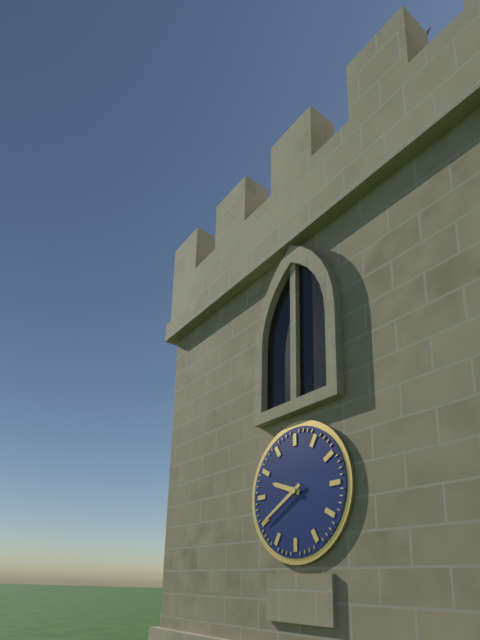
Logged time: 9 h 40 min
